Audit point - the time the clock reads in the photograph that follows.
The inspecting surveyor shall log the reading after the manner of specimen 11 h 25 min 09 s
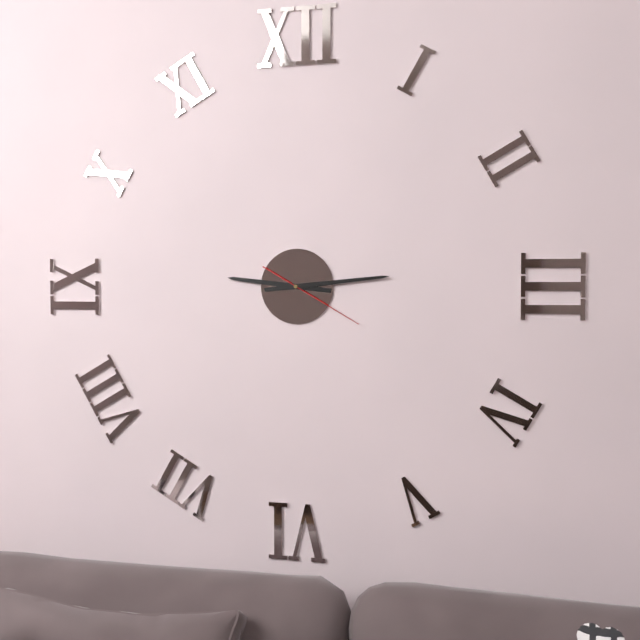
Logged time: 9 h 14 min 20 s
